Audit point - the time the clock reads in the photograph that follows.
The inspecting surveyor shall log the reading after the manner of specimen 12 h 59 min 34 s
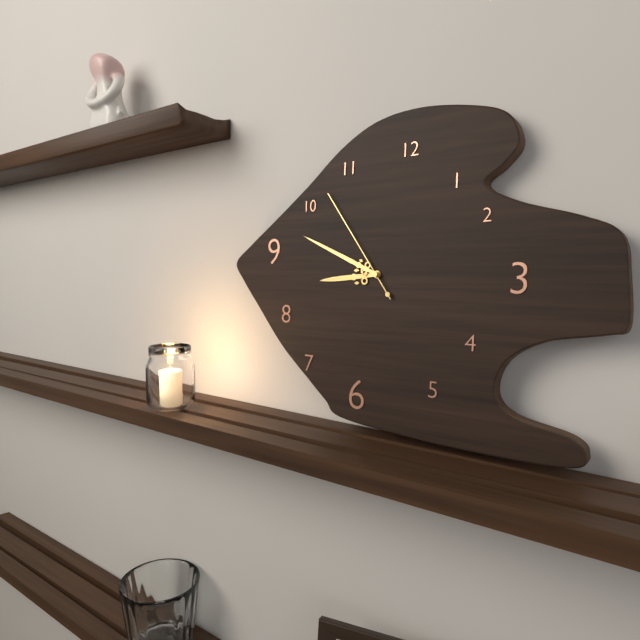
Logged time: 8 h 49 min 54 s
